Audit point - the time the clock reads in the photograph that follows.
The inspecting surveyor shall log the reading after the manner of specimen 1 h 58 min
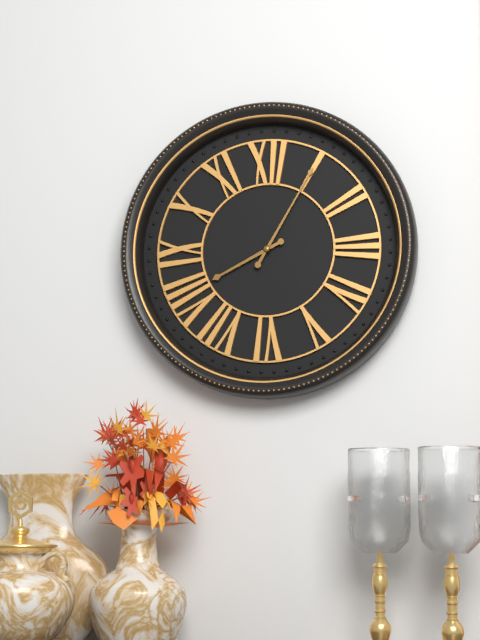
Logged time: 8 h 05 min
